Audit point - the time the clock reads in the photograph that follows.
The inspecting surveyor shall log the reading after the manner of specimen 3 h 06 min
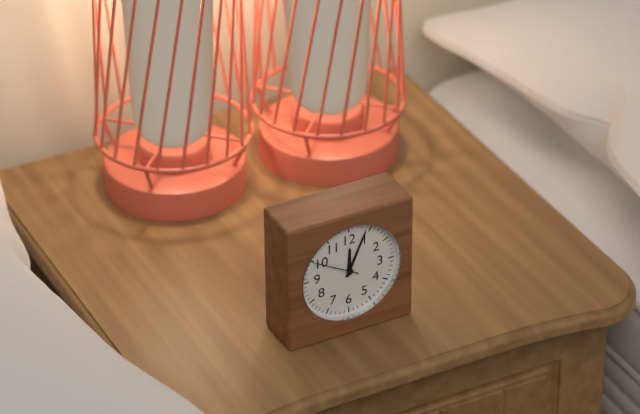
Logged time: 12 h 04 min
